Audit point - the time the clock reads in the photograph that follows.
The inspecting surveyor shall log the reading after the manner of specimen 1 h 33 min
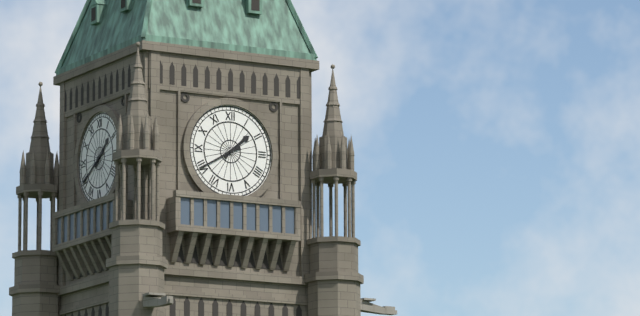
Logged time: 1 h 40 min
